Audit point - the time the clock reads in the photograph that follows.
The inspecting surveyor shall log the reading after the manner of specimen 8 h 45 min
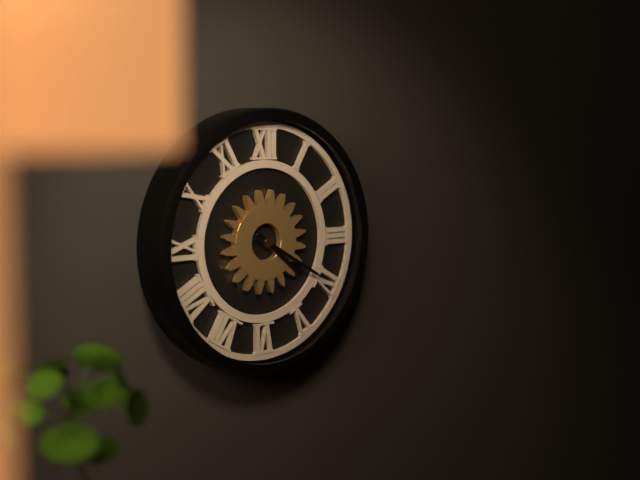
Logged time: 4 h 20 min
